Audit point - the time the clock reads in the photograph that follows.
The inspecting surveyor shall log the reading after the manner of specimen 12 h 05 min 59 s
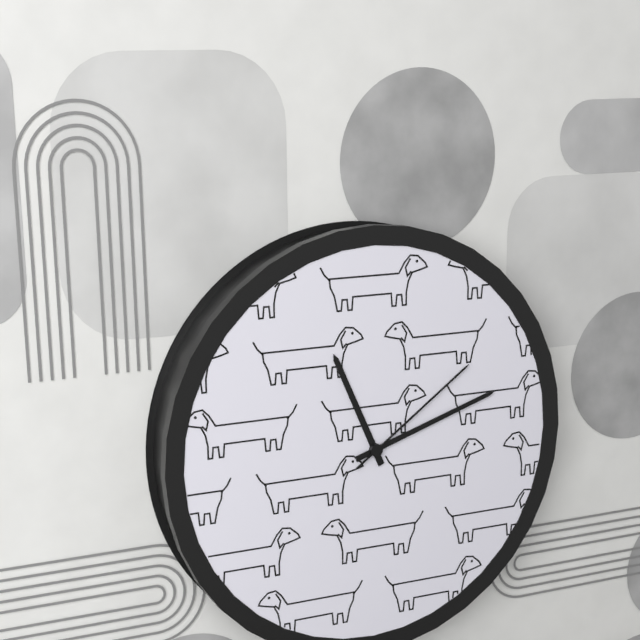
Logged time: 11 h 12 min 09 s
